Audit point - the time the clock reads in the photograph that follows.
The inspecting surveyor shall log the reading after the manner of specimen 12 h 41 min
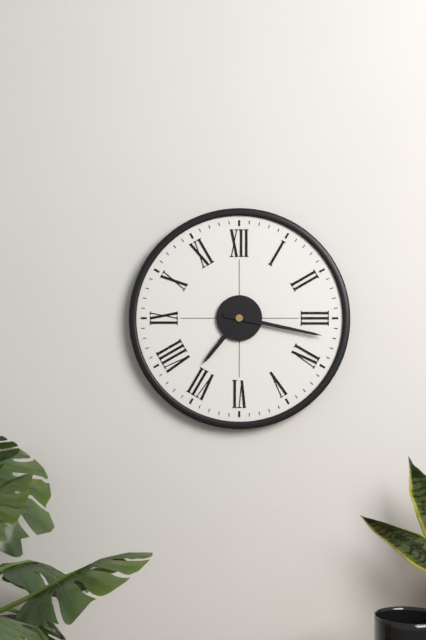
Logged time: 7 h 17 min
